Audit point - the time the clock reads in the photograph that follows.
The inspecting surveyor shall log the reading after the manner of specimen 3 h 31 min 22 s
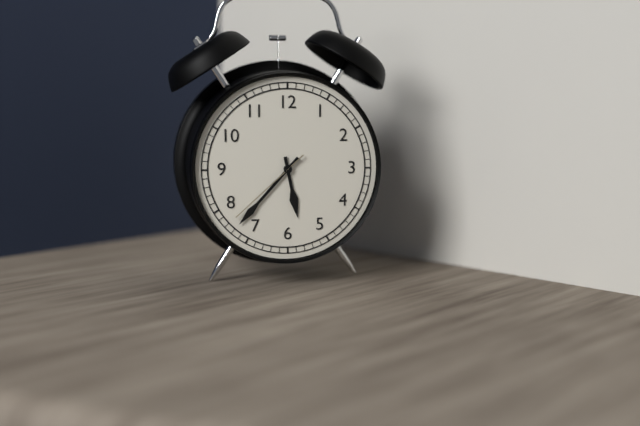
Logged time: 5 h 37 min 38 s
